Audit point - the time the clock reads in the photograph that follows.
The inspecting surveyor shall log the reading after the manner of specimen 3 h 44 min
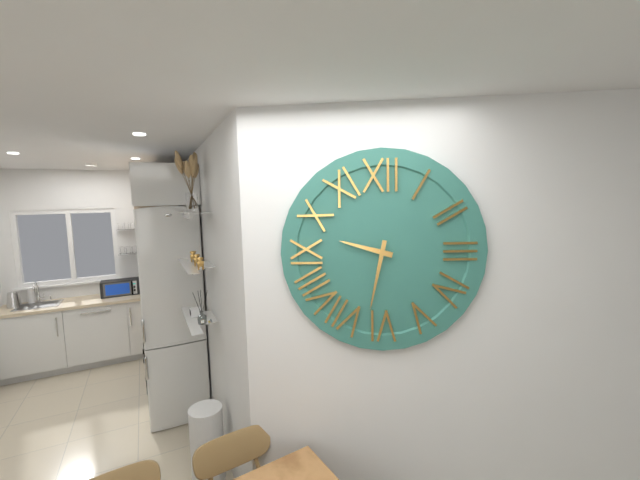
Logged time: 9 h 32 min
